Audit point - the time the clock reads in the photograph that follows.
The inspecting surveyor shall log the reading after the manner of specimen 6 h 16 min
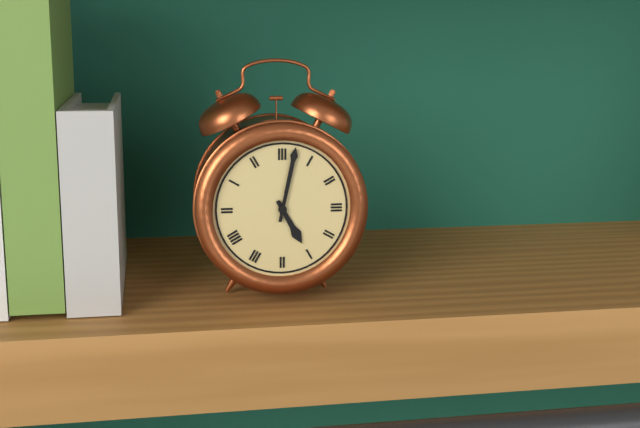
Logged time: 5 h 02 min
